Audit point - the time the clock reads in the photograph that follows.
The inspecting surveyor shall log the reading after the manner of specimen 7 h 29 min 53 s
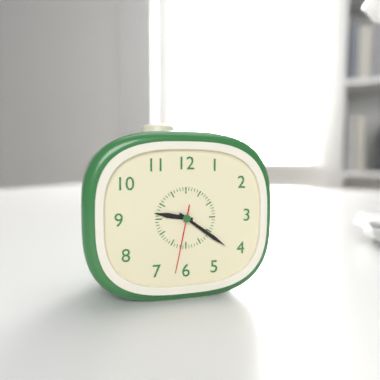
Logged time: 9 h 21 min 32 s
